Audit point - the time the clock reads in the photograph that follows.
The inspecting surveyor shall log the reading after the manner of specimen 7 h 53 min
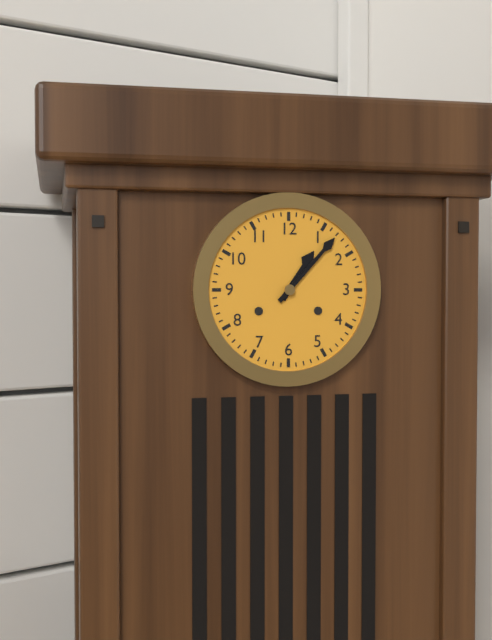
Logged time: 1 h 07 min
